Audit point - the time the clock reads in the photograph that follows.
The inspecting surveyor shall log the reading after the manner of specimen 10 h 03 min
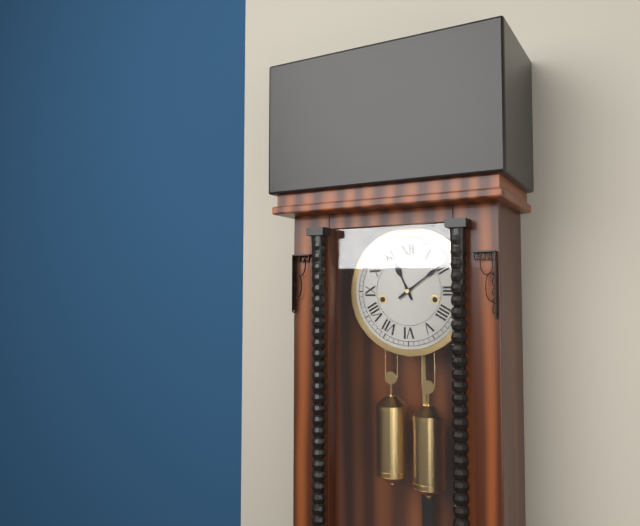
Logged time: 11 h 09 min
